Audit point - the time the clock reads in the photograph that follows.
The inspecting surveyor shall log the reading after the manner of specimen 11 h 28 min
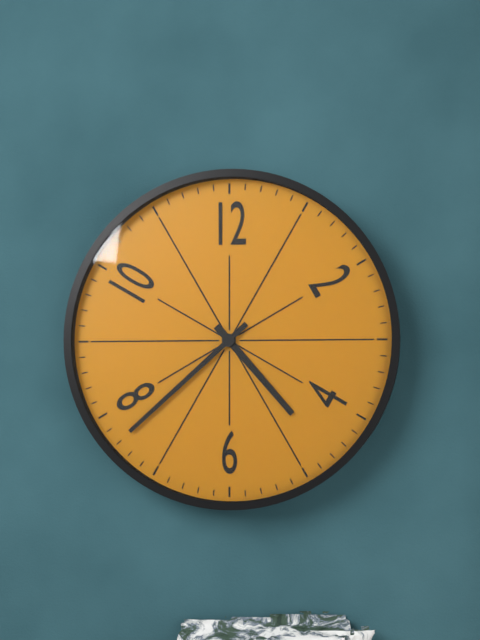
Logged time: 4 h 38 min
